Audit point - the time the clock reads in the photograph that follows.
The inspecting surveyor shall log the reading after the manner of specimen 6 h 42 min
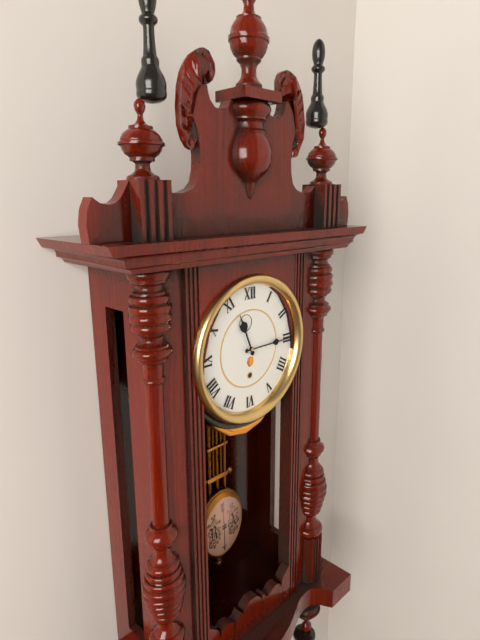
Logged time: 11 h 15 min
